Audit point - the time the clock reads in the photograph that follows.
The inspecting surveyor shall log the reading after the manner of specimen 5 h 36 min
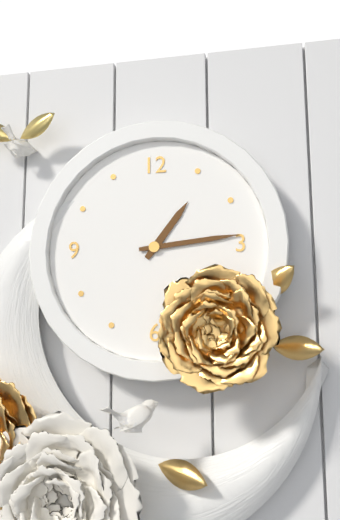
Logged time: 1 h 14 min
